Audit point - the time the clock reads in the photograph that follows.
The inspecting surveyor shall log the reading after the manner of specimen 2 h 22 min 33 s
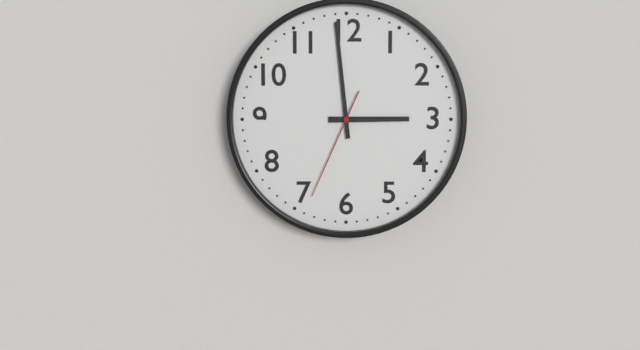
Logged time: 2 h 59 min 34 s
